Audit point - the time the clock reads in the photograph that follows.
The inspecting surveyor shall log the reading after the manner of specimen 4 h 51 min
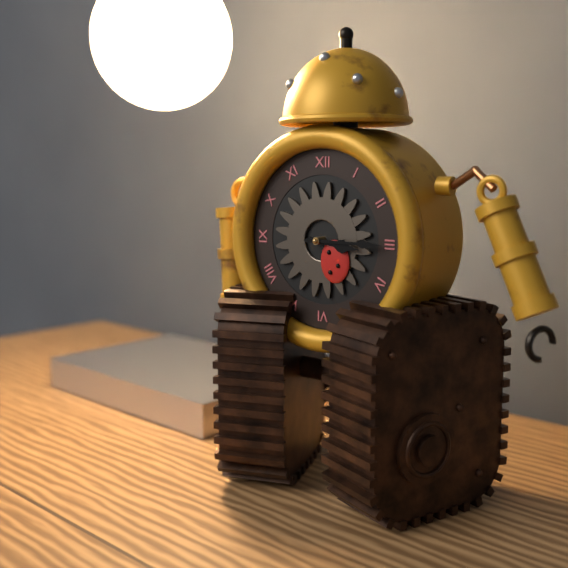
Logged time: 3 h 15 min
